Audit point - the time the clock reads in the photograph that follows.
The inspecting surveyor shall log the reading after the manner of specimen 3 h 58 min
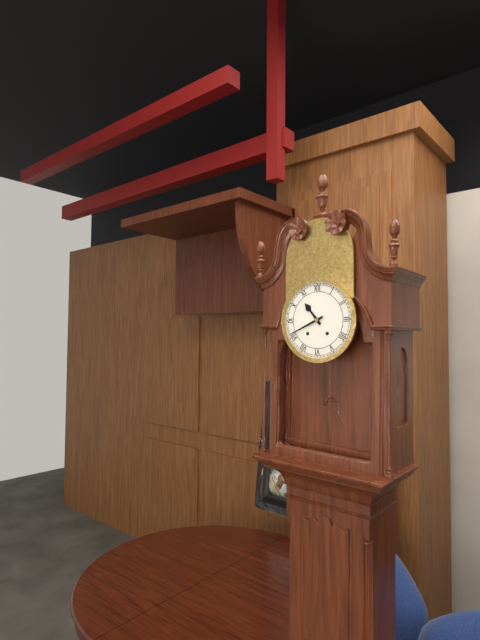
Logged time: 10 h 41 min
